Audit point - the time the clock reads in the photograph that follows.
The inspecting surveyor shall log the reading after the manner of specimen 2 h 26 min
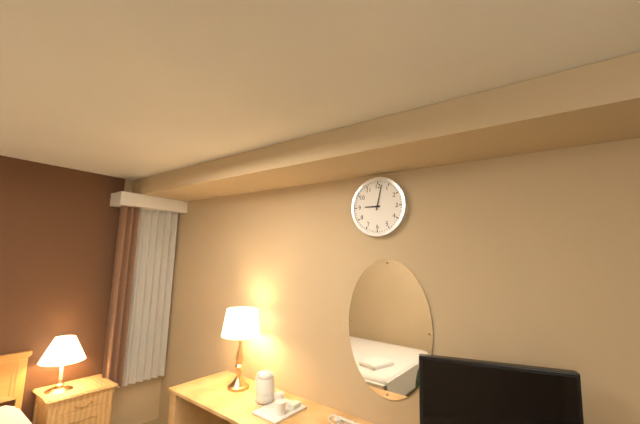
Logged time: 9 h 02 min
